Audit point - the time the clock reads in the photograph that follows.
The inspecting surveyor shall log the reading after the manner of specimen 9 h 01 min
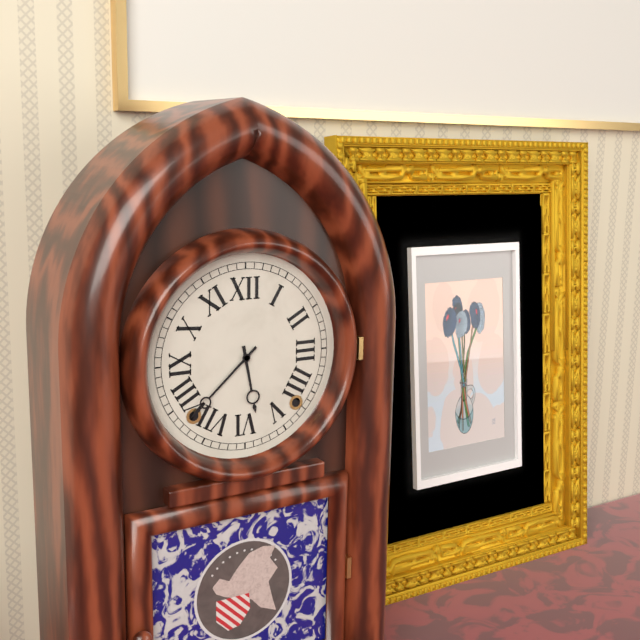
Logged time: 5 h 38 min
